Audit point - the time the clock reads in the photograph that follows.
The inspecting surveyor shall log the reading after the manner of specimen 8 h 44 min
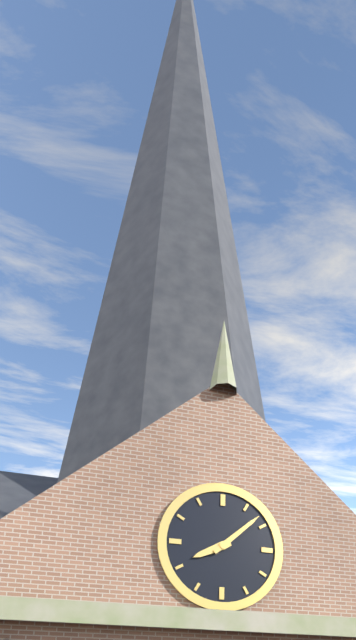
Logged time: 8 h 08 min
